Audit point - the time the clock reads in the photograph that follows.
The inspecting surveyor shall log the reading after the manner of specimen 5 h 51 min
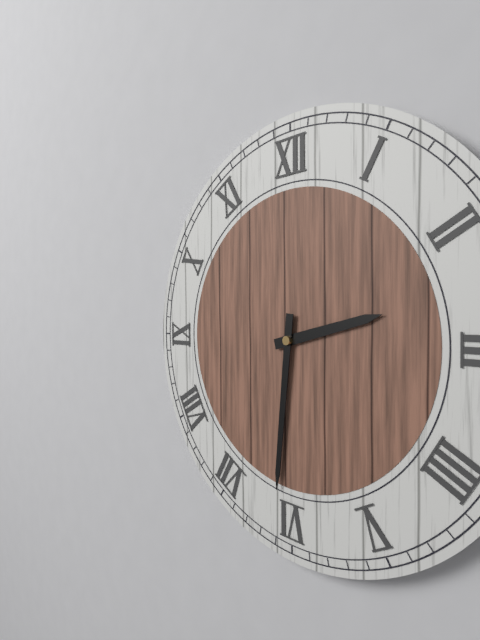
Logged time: 2 h 31 min
